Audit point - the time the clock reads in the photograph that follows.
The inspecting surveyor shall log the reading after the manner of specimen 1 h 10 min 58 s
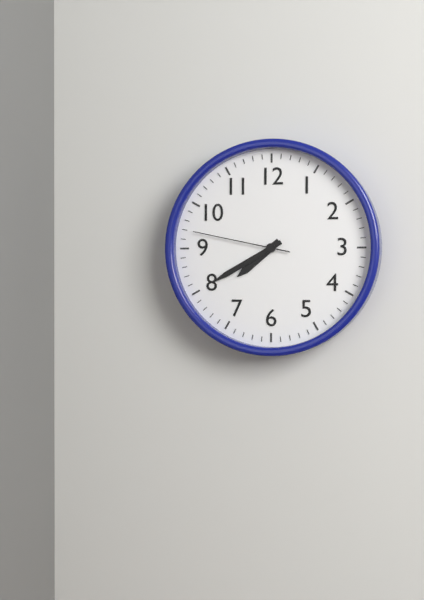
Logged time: 7 h 40 min 47 s
